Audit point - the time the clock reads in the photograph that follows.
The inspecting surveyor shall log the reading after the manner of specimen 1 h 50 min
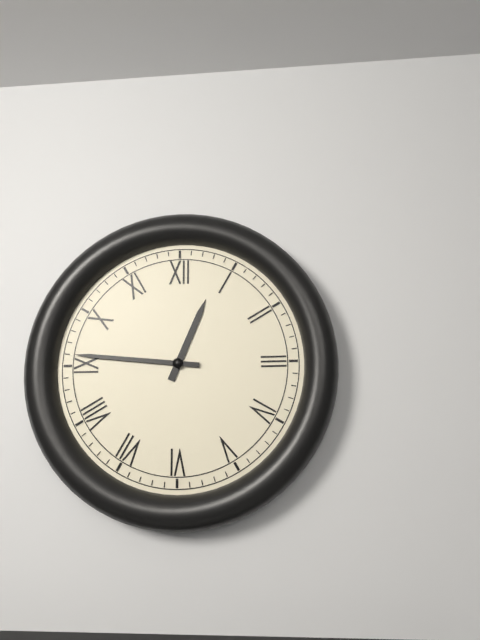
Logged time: 12 h 46 min
